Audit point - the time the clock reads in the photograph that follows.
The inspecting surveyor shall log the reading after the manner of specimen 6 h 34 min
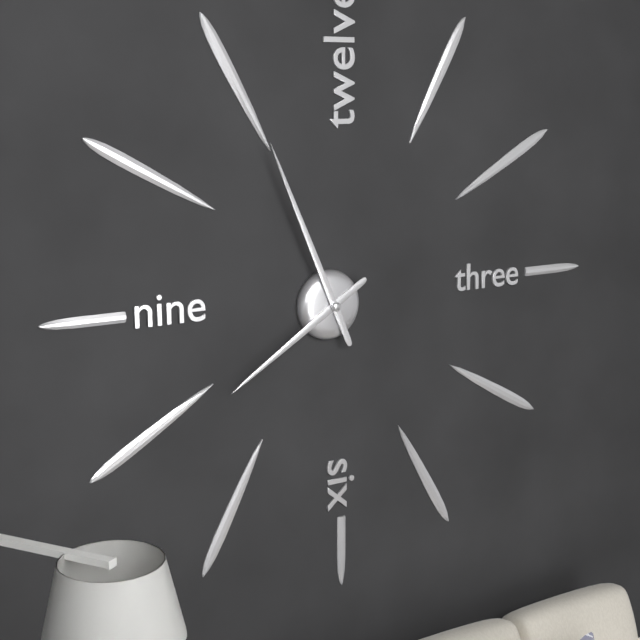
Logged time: 7 h 56 min
